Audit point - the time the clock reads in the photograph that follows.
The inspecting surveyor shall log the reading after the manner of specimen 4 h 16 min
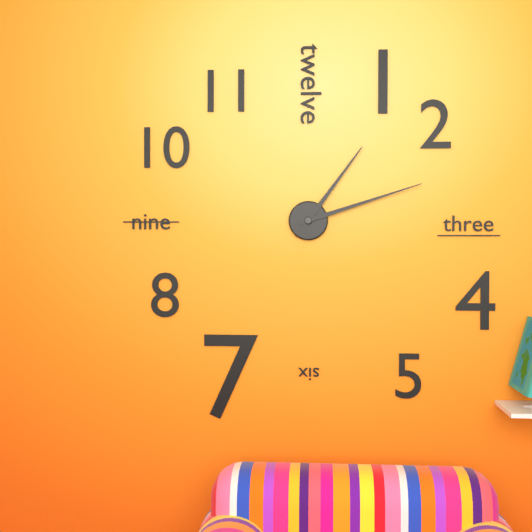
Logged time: 1 h 12 min
